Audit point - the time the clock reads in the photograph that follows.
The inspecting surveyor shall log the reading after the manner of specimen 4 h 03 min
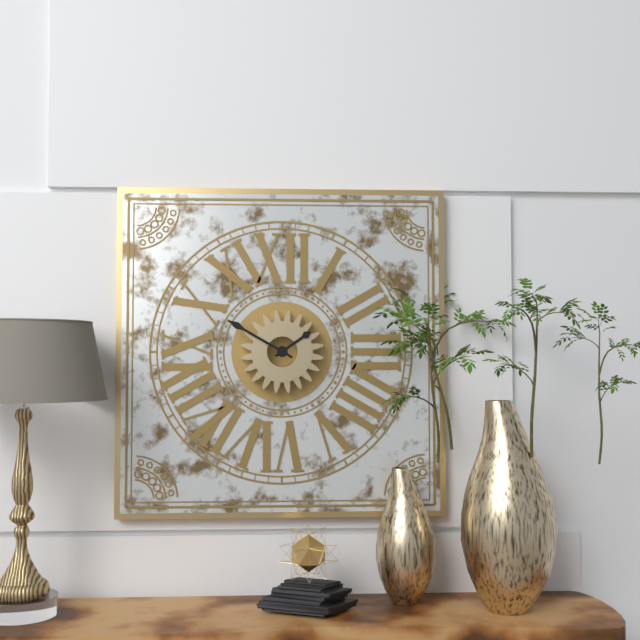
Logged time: 1 h 50 min
